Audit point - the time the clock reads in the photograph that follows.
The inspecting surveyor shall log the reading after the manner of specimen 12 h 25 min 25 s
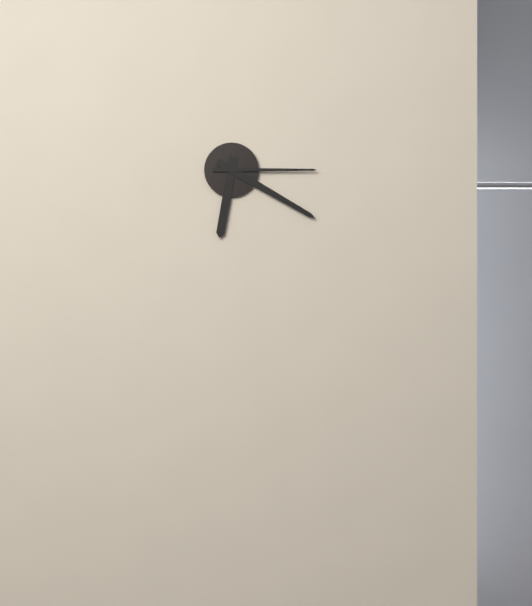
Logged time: 6 h 20 min 15 s
